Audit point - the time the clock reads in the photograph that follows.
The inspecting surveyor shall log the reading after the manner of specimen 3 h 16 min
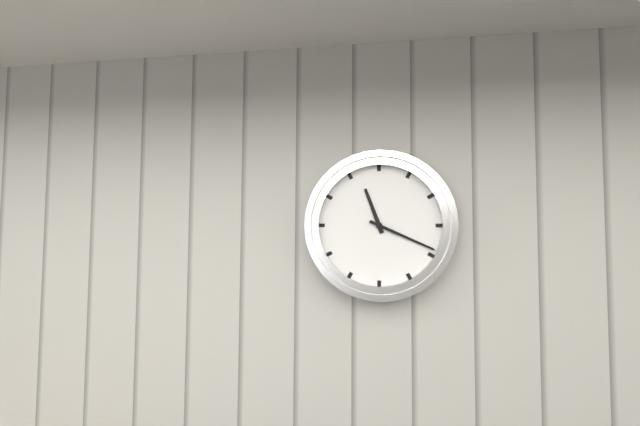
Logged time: 11 h 19 min
